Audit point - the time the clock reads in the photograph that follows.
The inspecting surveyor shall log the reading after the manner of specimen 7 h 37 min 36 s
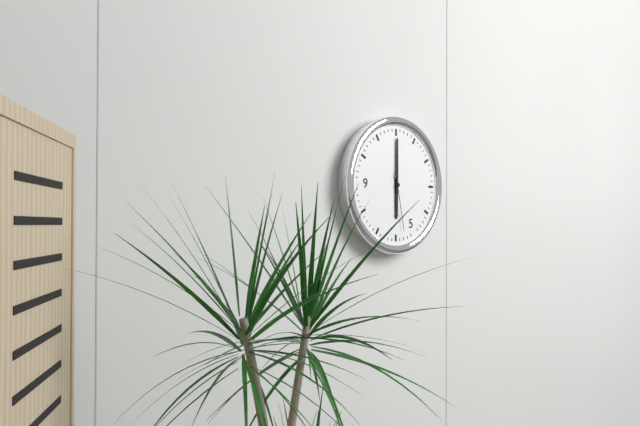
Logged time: 6 h 00 min 28 s
